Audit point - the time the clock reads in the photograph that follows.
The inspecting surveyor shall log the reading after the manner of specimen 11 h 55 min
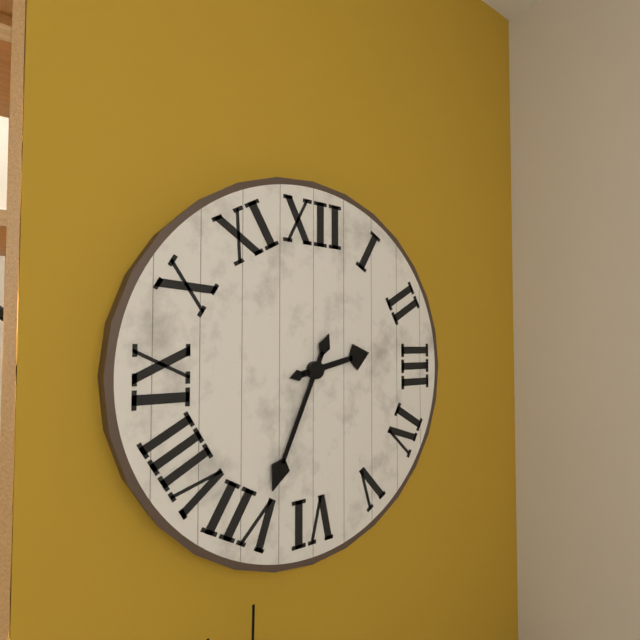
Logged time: 2 h 34 min
